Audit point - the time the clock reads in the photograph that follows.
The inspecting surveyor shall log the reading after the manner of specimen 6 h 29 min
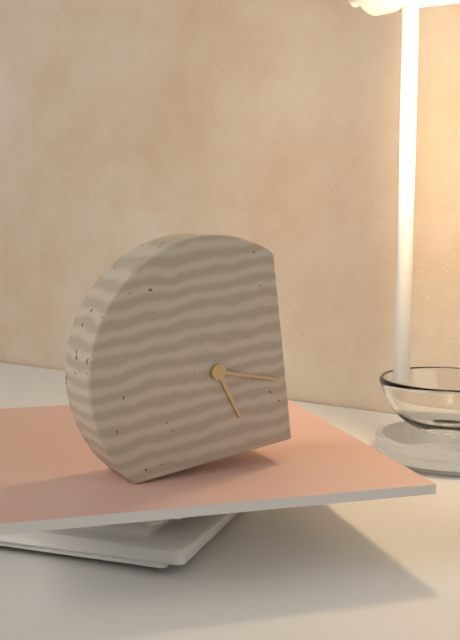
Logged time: 5 h 18 min
